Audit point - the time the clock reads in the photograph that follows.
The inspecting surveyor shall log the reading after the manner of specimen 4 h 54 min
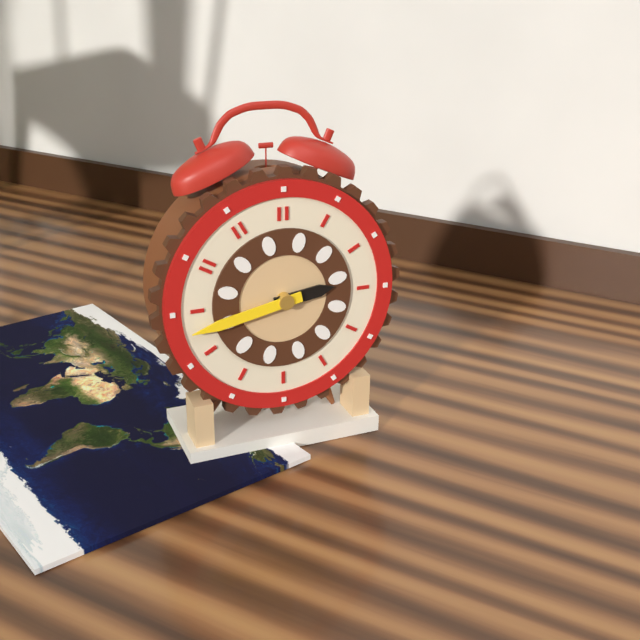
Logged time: 2 h 43 min
